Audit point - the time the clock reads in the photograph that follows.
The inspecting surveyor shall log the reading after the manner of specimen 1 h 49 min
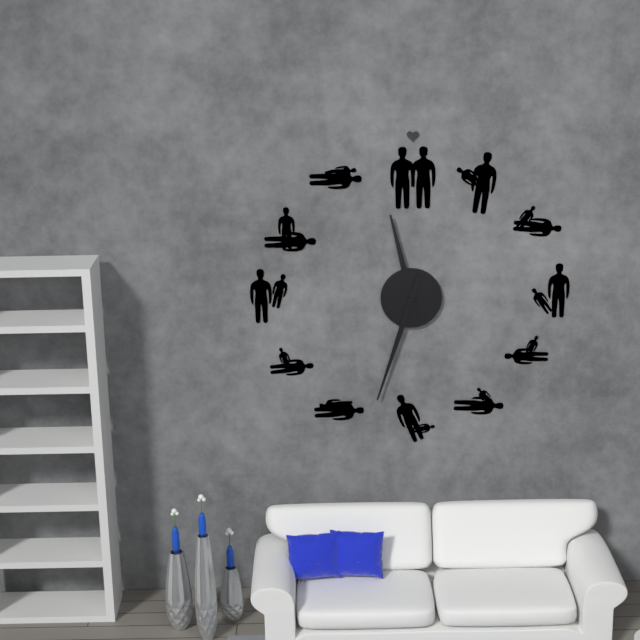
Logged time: 11 h 33 min
